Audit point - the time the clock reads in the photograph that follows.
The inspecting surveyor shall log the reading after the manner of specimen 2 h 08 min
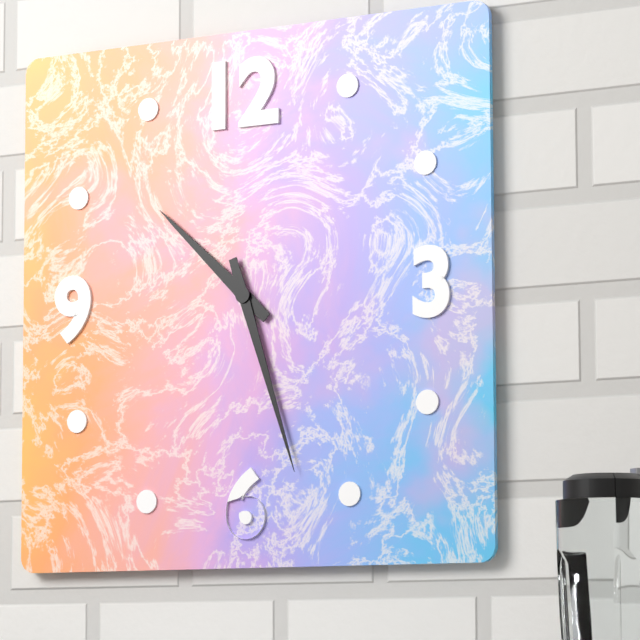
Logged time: 10 h 27 min
